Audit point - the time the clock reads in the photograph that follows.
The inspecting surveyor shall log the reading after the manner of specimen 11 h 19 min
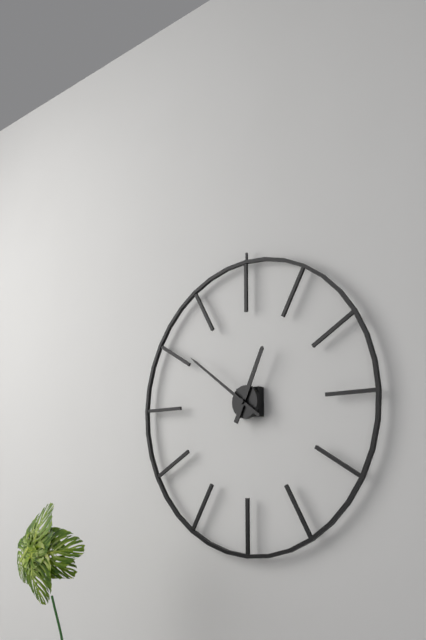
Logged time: 12 h 51 min
